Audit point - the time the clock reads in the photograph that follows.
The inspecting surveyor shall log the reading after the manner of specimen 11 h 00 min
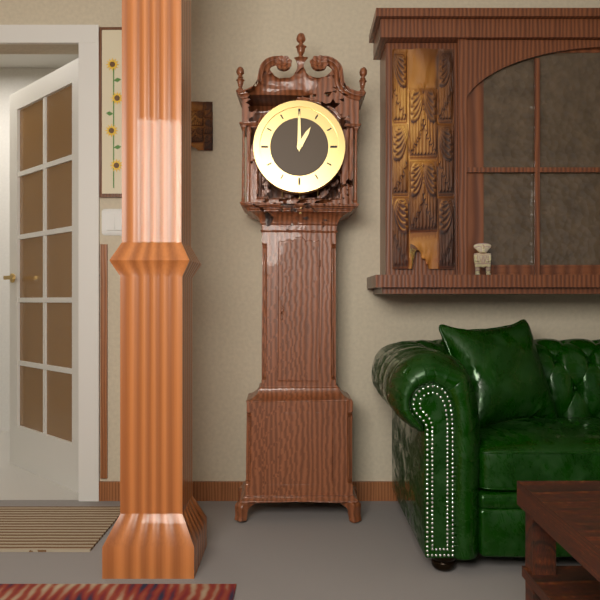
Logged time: 1 h 00 min
